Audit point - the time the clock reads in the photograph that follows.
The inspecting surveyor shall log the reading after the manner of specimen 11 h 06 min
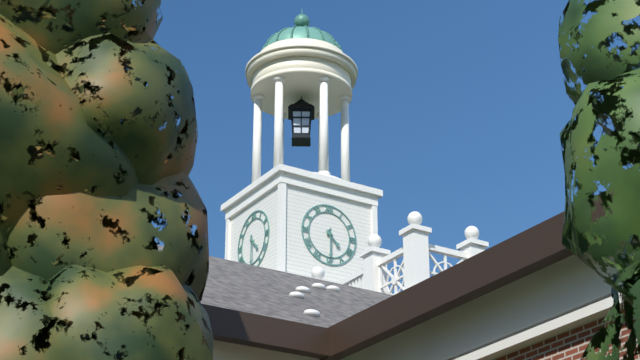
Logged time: 4 h 30 min
